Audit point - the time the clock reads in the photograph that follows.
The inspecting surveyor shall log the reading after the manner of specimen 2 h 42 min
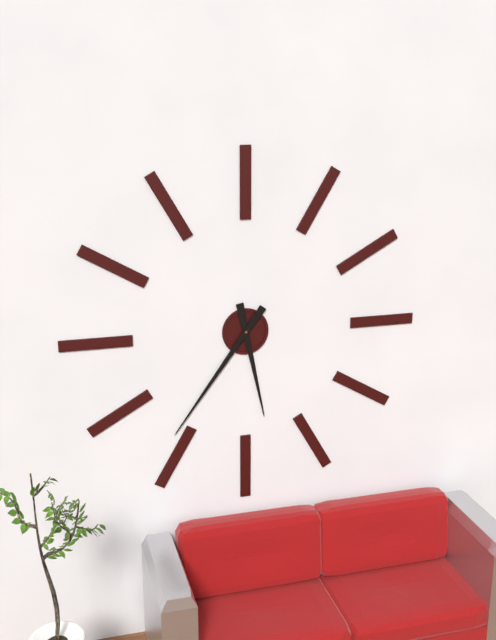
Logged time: 5 h 36 min
